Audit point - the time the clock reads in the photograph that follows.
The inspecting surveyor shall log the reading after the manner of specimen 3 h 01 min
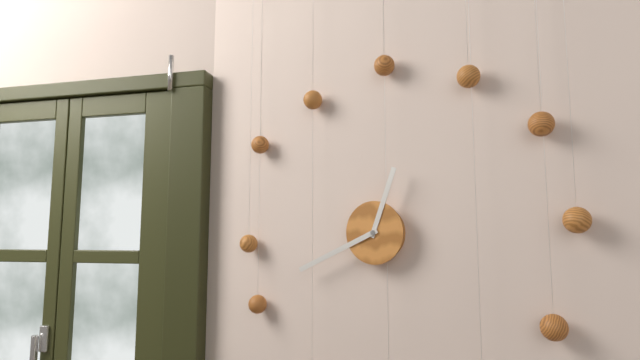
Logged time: 12 h 41 min
